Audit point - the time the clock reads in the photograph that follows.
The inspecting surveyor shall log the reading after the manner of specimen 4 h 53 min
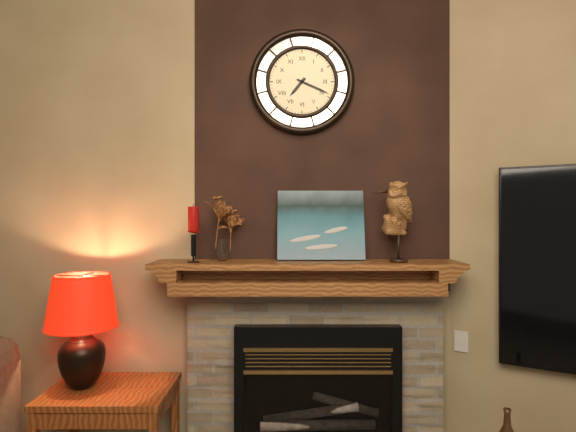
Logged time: 7 h 19 min
